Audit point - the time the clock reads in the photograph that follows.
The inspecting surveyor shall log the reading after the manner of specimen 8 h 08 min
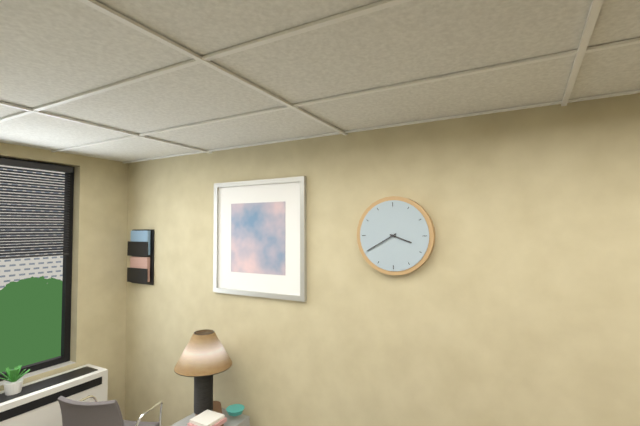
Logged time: 3 h 40 min
